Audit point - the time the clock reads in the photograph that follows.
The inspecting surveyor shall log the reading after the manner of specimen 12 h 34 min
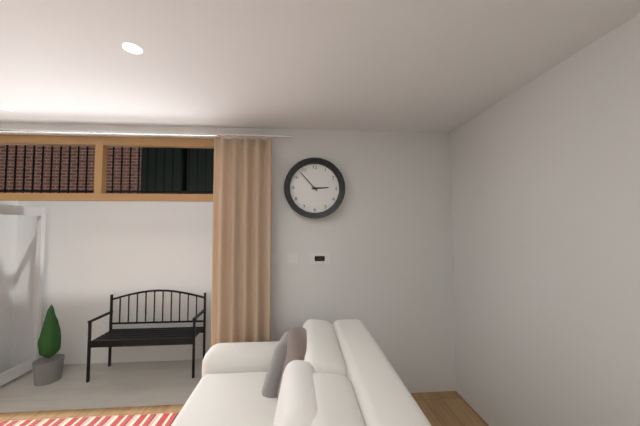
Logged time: 2 h 53 min
